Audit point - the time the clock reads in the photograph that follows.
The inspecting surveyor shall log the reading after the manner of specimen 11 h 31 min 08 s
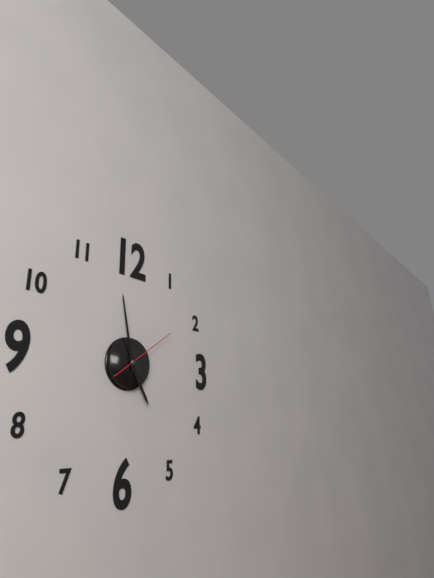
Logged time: 4 h 58 min 09 s
